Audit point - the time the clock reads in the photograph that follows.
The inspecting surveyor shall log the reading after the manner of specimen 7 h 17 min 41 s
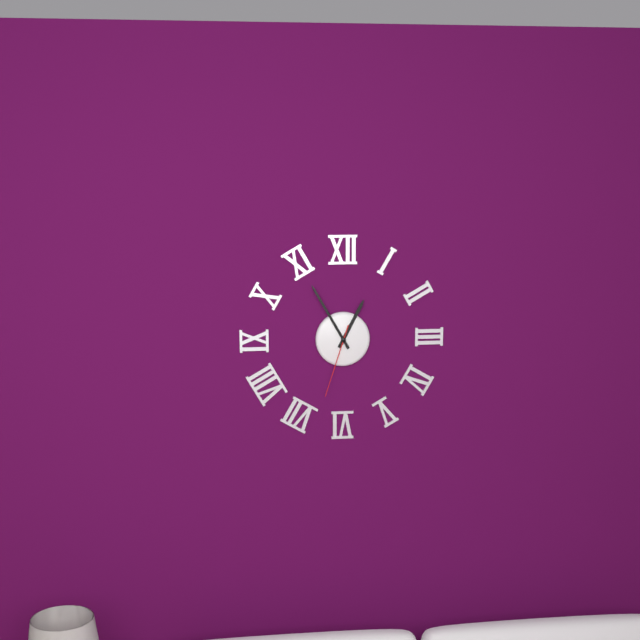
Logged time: 12 h 55 min 33 s
